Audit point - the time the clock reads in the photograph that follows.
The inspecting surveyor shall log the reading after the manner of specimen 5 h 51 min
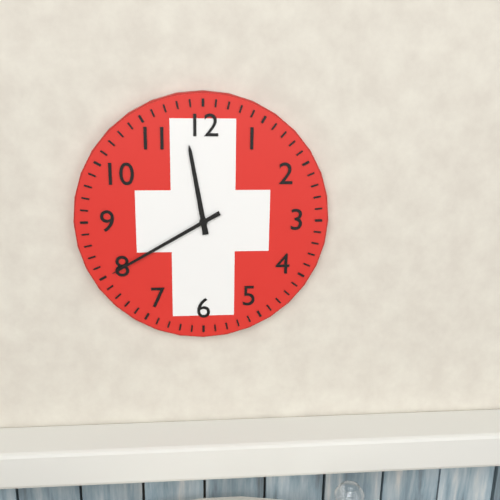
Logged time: 11 h 40 min
